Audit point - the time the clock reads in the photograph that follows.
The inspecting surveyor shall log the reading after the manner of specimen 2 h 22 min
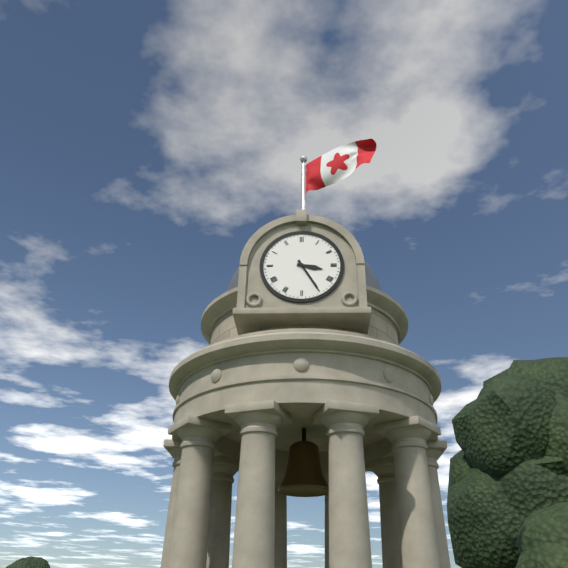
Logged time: 3 h 25 min
